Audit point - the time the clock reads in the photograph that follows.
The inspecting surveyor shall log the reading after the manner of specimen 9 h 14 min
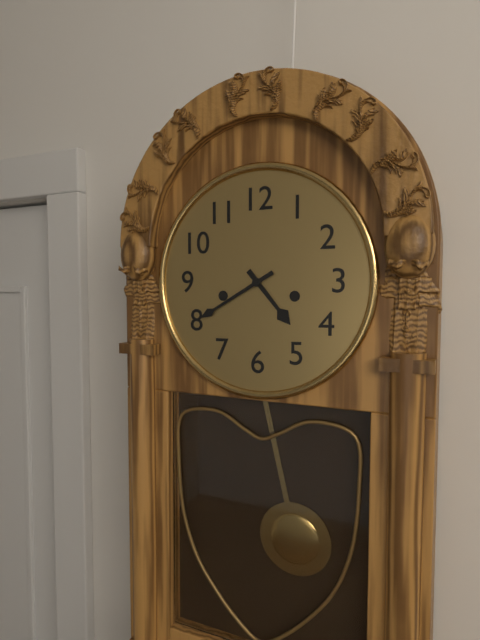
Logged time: 4 h 40 min
